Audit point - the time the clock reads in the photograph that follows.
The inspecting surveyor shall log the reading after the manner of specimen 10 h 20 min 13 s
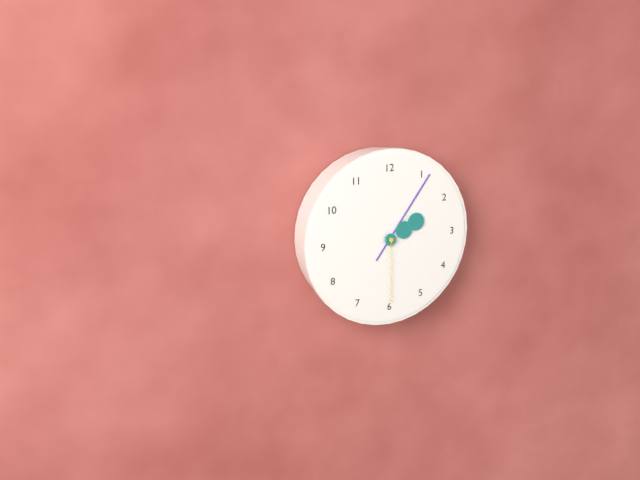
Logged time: 2 h 06 min 30 s
